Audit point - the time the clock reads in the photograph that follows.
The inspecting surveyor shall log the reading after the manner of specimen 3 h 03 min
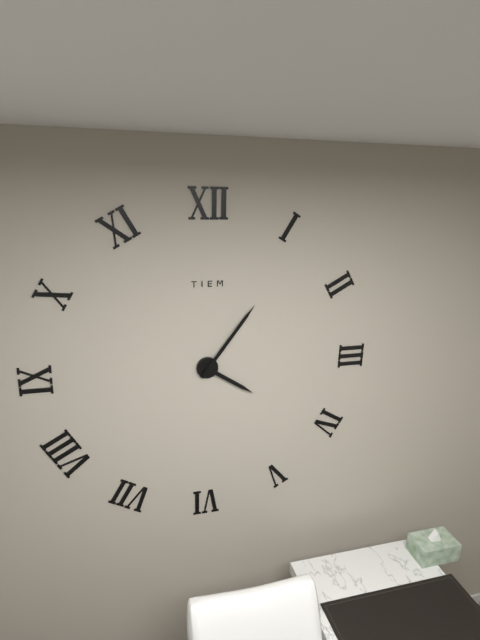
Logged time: 4 h 06 min
